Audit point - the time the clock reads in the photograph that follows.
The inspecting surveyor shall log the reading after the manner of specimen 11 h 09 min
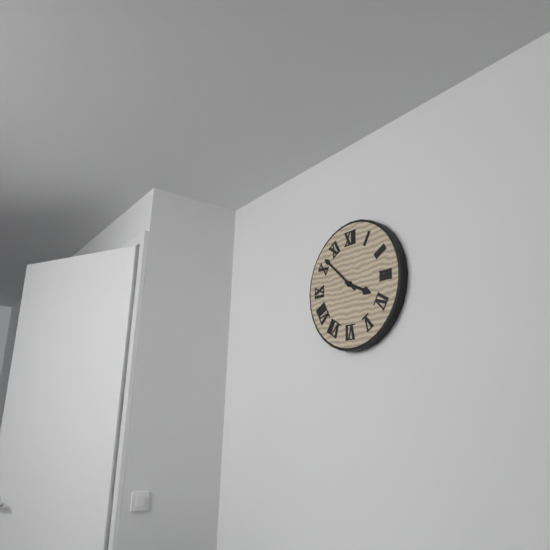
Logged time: 3 h 52 min
